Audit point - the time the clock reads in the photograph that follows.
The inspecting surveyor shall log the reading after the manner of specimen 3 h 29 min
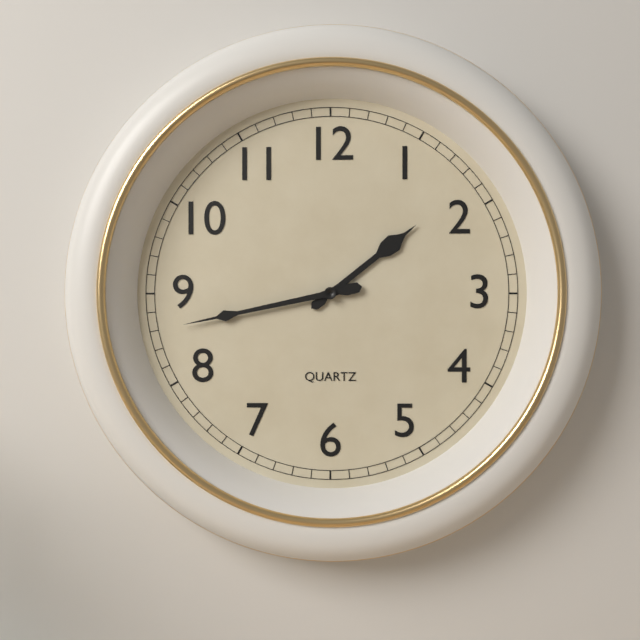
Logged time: 1 h 43 min
